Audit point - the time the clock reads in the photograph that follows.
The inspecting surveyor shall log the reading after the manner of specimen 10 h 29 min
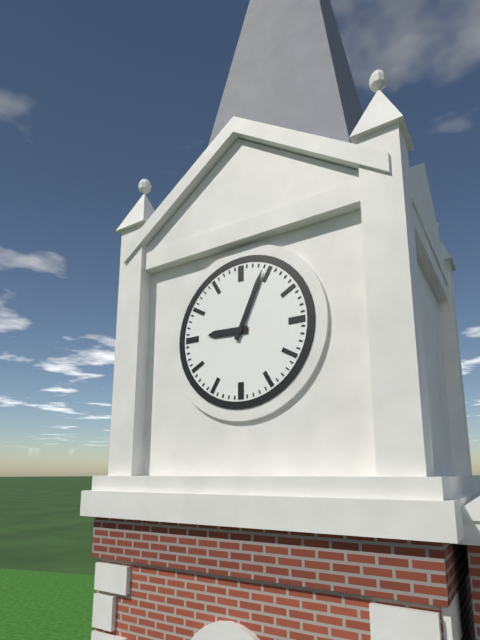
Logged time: 9 h 04 min
